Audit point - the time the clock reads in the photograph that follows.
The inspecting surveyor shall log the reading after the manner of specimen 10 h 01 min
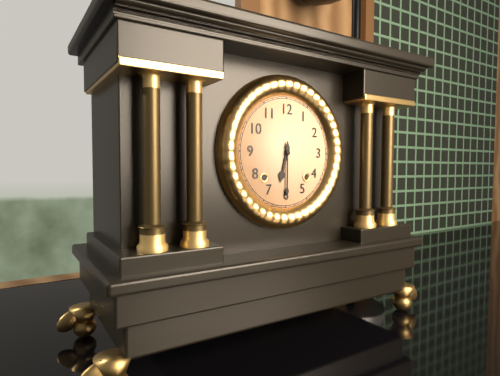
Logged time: 6 h 30 min
